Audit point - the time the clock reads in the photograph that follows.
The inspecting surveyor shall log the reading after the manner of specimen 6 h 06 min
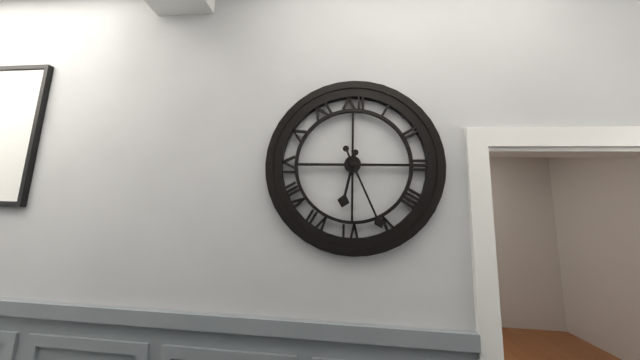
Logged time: 6 h 26 min
